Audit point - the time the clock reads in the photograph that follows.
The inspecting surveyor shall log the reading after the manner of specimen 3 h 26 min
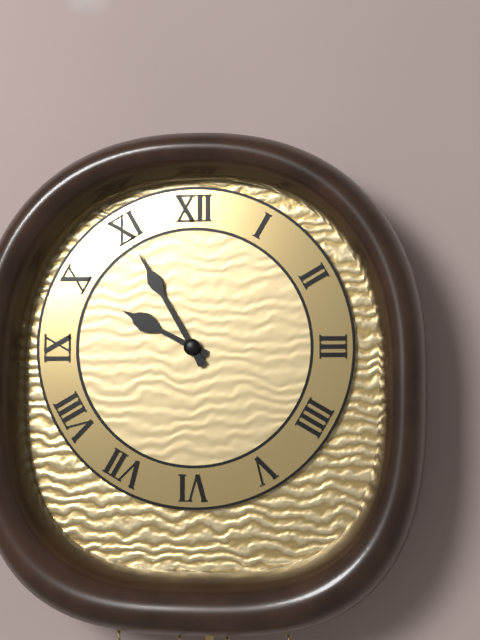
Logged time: 9 h 55 min
